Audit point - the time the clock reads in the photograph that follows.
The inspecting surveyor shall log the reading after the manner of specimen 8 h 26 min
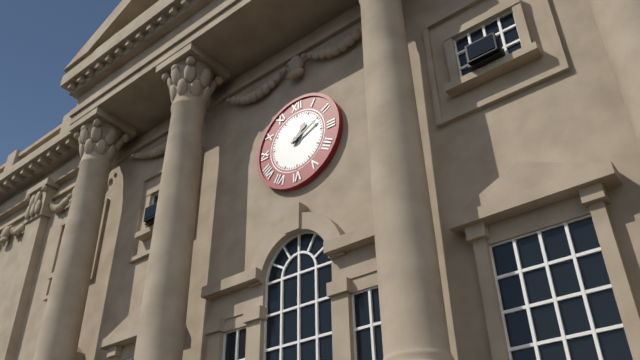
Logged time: 1 h 11 min
